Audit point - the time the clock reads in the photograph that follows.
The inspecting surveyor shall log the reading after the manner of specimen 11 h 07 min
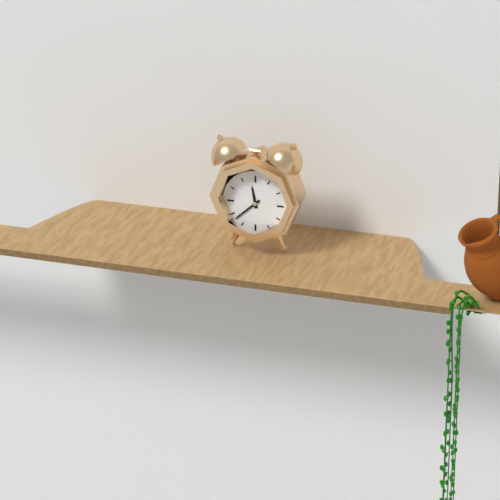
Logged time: 11 h 38 min
